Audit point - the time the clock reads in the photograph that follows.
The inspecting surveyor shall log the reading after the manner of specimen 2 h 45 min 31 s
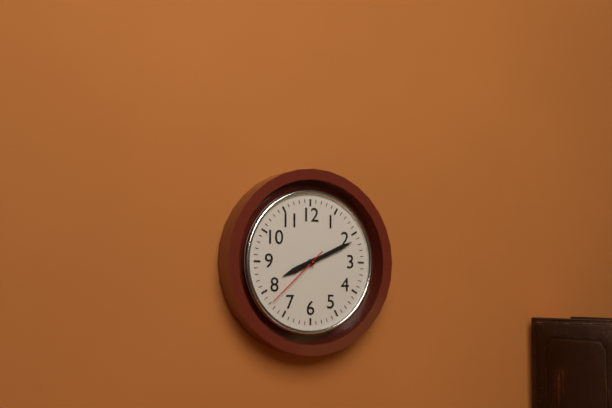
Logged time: 8 h 11 min 38 s
